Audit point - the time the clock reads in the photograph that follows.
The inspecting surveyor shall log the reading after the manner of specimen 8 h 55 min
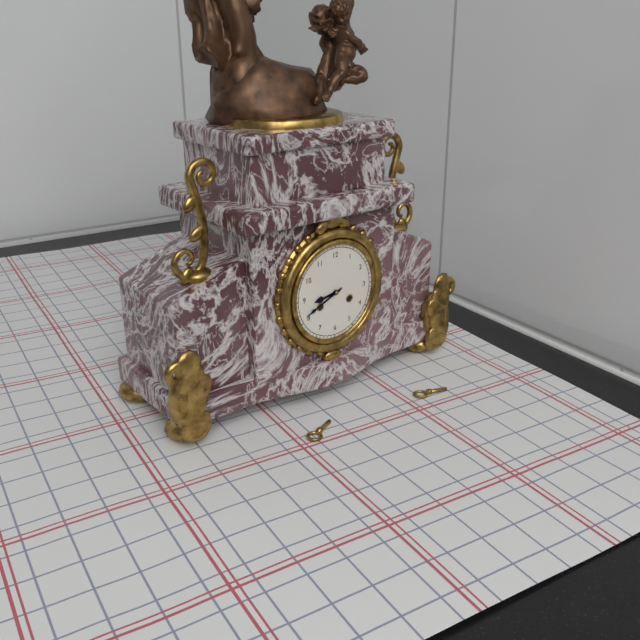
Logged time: 8 h 41 min
